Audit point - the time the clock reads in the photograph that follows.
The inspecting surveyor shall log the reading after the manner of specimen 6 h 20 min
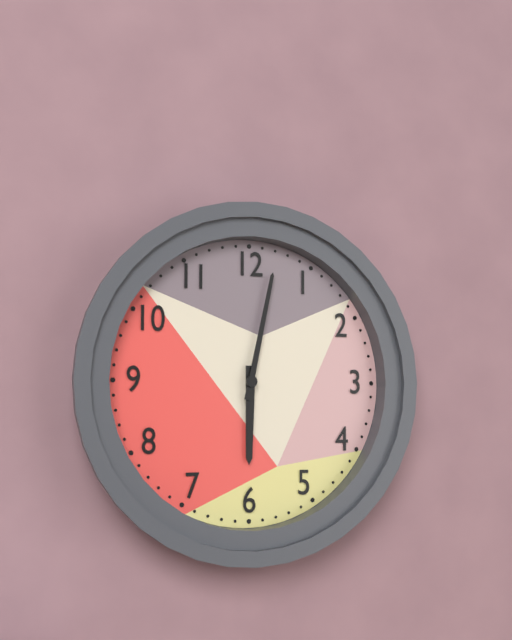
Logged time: 6 h 02 min
